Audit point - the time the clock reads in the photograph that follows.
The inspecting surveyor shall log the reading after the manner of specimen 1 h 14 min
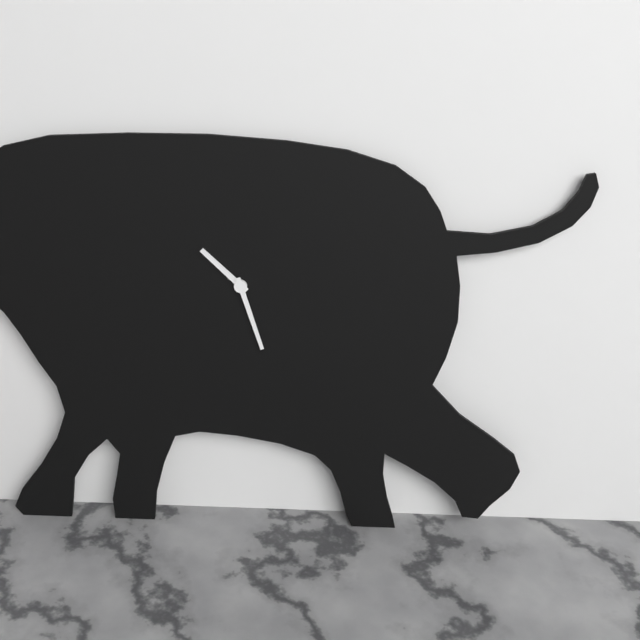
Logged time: 10 h 27 min
